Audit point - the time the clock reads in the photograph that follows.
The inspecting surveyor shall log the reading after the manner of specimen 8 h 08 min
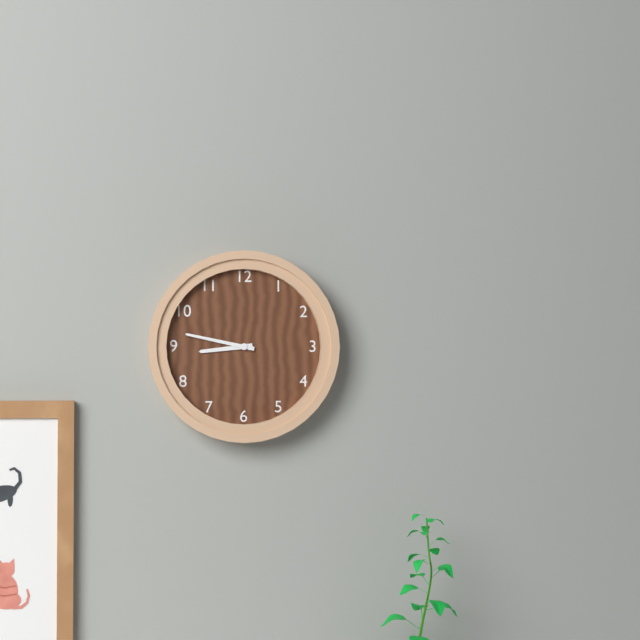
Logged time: 8 h 47 min
